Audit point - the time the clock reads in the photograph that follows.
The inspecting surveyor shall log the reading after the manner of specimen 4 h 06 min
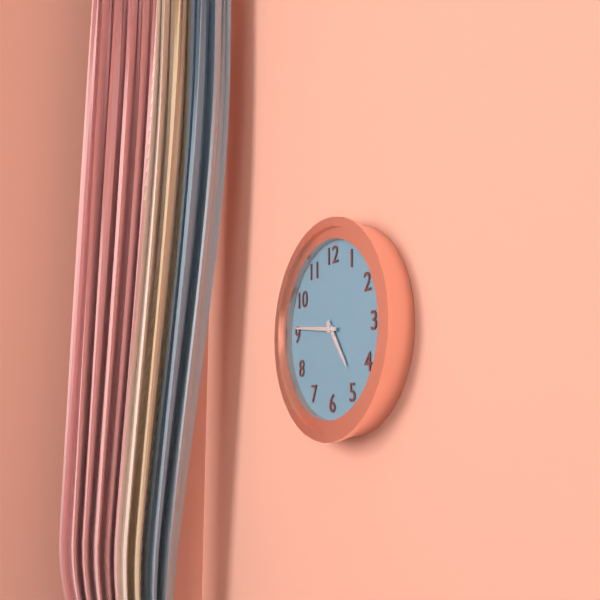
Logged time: 4 h 46 min
